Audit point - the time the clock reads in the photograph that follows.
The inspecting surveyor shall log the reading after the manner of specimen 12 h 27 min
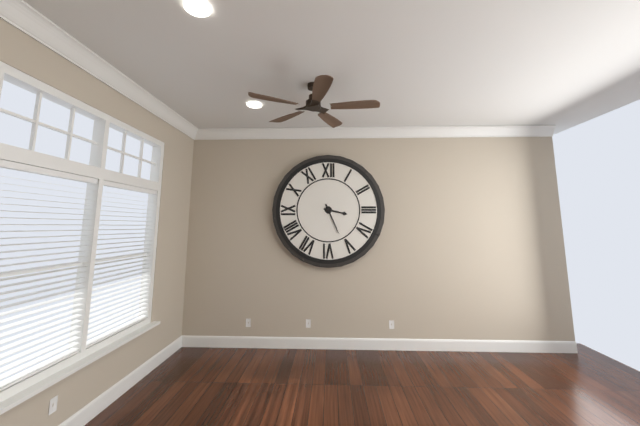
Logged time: 3 h 26 min
